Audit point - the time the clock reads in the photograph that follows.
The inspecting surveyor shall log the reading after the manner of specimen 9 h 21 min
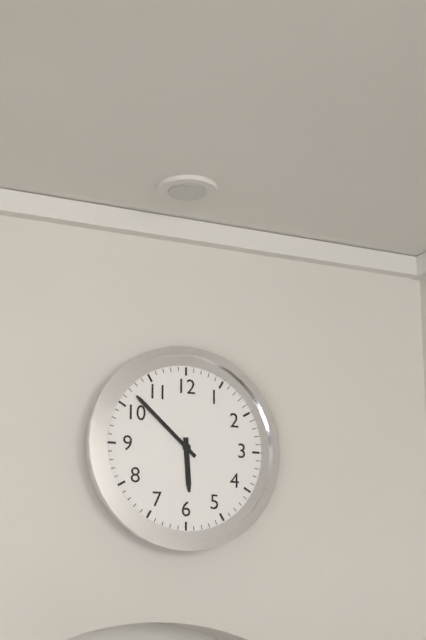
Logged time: 5 h 52 min
